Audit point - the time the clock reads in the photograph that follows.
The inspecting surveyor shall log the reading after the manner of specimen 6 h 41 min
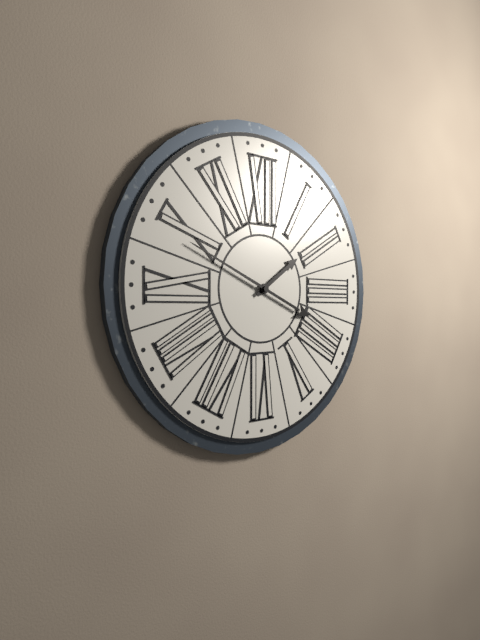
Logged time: 1 h 49 min
